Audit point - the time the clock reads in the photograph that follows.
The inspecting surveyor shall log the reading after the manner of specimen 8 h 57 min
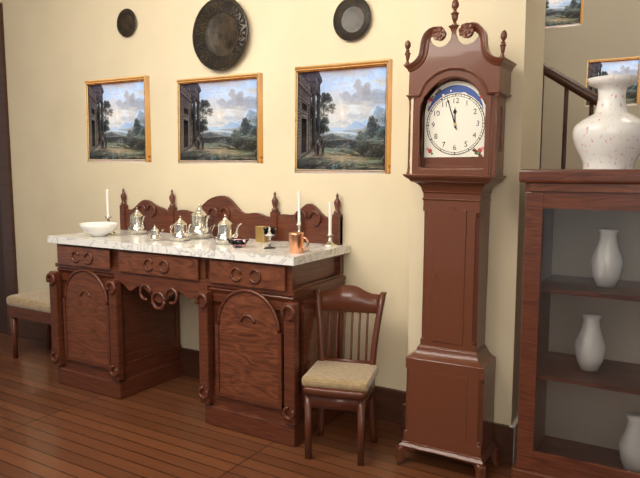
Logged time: 11 h 57 min
